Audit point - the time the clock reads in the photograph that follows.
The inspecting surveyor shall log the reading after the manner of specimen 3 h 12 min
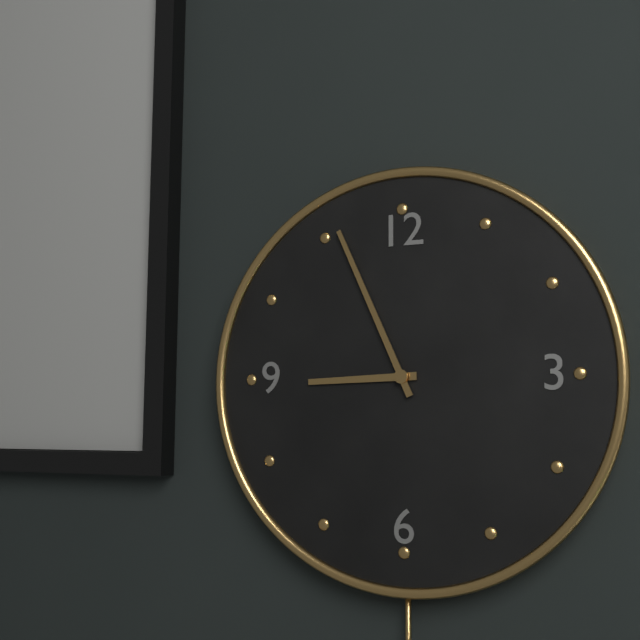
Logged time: 8 h 56 min
